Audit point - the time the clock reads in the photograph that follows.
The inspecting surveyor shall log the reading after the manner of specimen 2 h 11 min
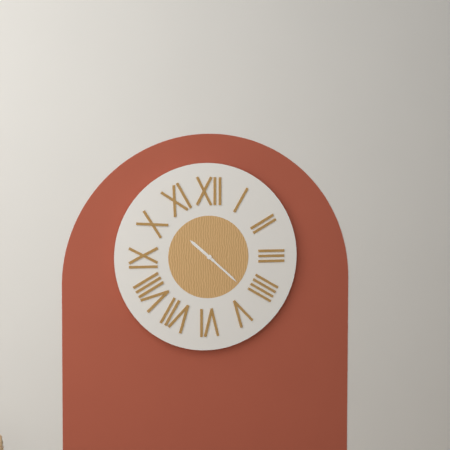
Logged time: 10 h 22 min
